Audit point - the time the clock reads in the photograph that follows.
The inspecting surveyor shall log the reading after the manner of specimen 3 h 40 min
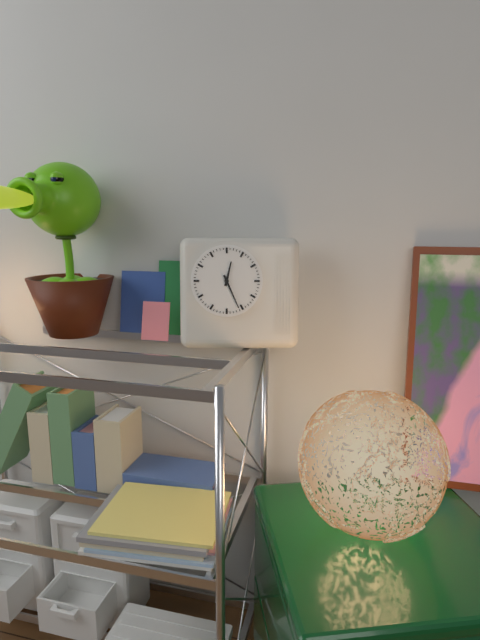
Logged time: 12 h 26 min
